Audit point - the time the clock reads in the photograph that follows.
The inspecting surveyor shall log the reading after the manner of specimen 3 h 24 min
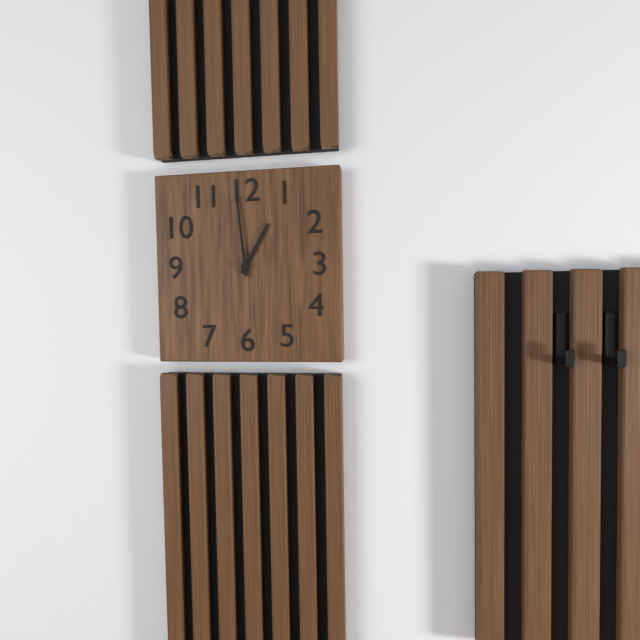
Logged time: 12 h 59 min
